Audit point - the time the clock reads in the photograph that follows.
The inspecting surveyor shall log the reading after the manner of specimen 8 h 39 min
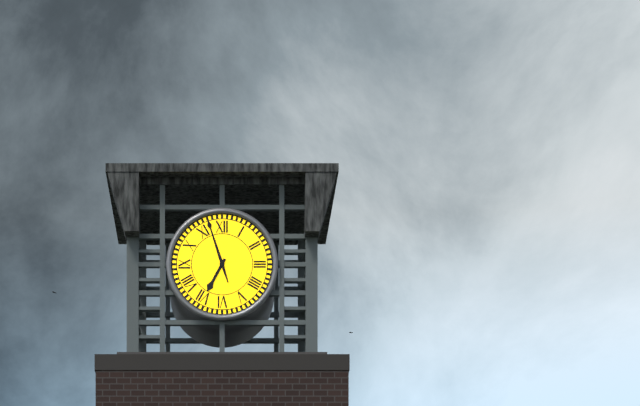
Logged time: 6 h 57 min
